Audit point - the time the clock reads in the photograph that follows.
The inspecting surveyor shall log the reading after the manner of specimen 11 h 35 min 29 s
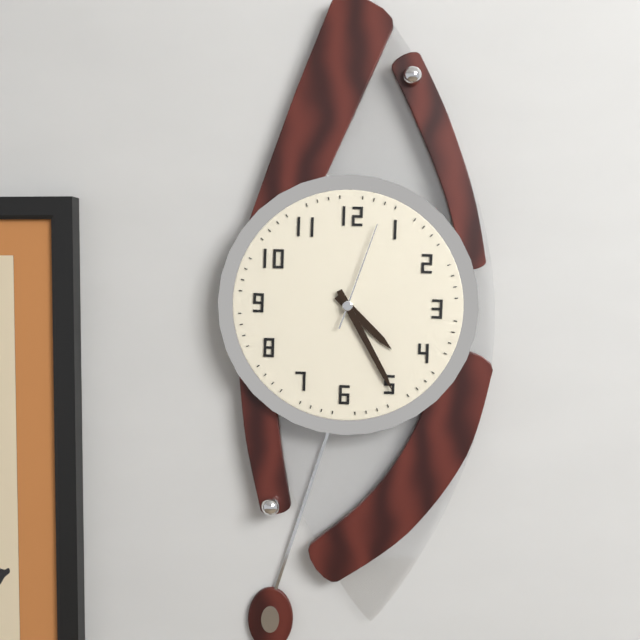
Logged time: 4 h 25 min 03 s
